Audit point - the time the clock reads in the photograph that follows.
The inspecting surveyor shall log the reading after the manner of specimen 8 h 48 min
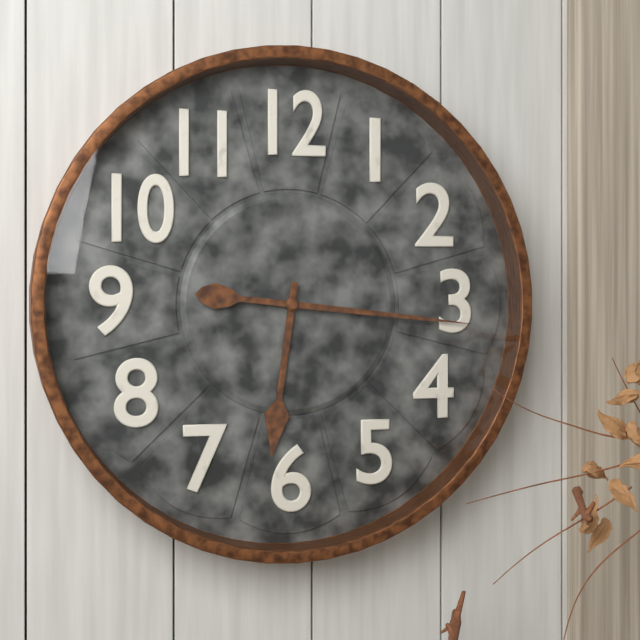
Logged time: 6 h 16 min
